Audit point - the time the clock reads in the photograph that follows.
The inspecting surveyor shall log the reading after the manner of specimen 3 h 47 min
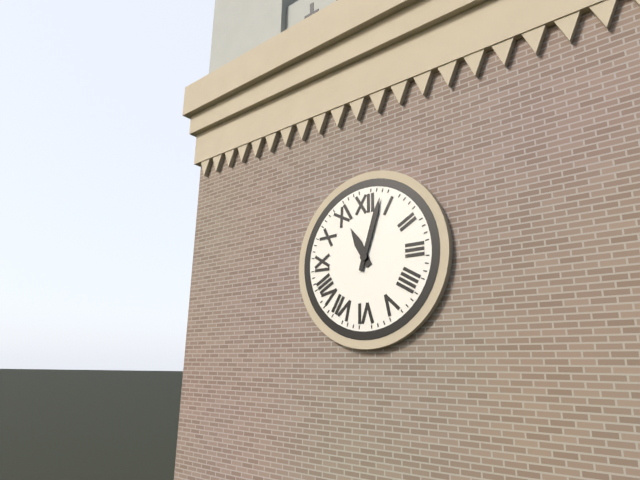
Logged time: 11 h 03 min
